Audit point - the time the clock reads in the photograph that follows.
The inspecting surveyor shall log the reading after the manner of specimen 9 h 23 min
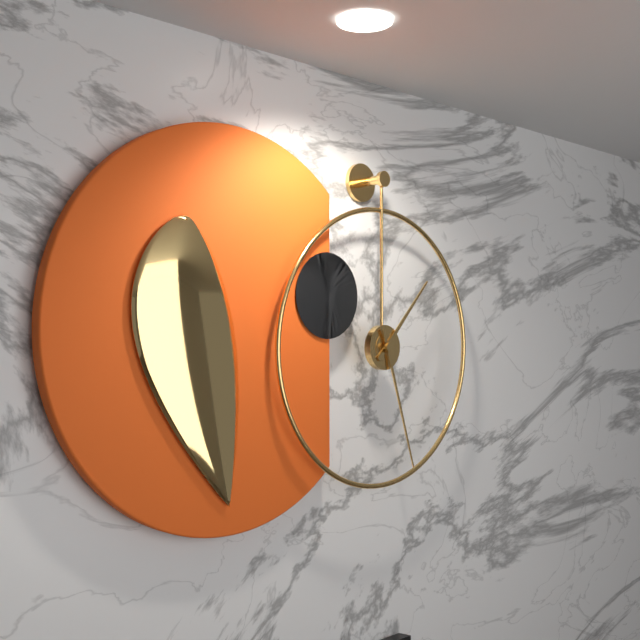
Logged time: 1 h 27 min
